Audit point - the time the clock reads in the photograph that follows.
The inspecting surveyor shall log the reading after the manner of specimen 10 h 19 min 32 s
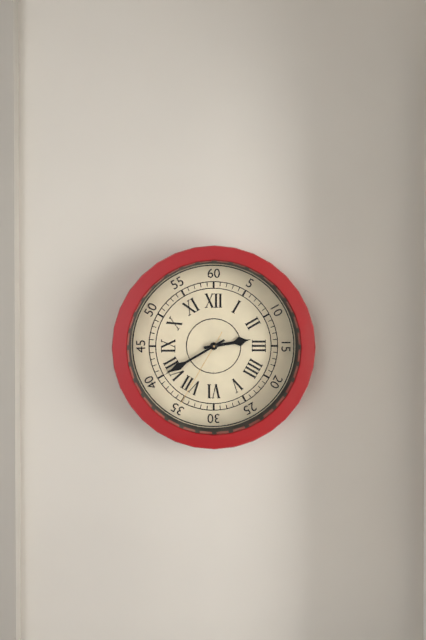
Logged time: 2 h 40 min 35 s
